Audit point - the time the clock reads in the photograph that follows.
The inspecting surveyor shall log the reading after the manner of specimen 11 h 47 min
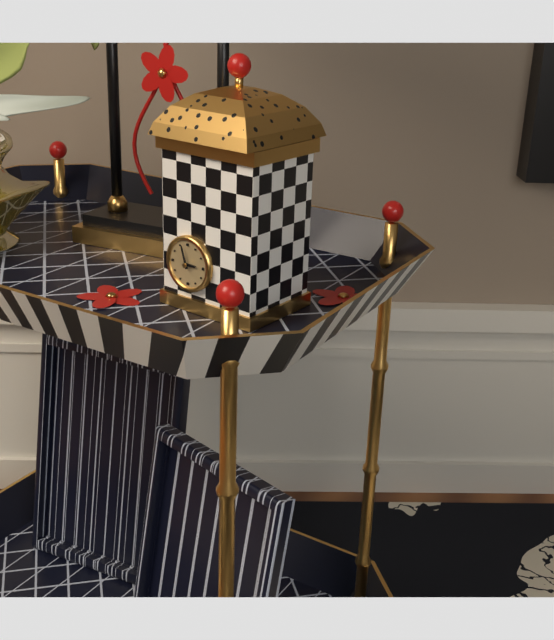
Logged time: 2 h 57 min
